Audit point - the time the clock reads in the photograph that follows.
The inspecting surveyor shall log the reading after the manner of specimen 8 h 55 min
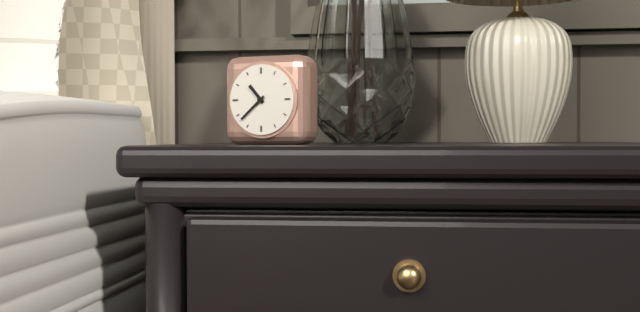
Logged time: 10 h 38 min
